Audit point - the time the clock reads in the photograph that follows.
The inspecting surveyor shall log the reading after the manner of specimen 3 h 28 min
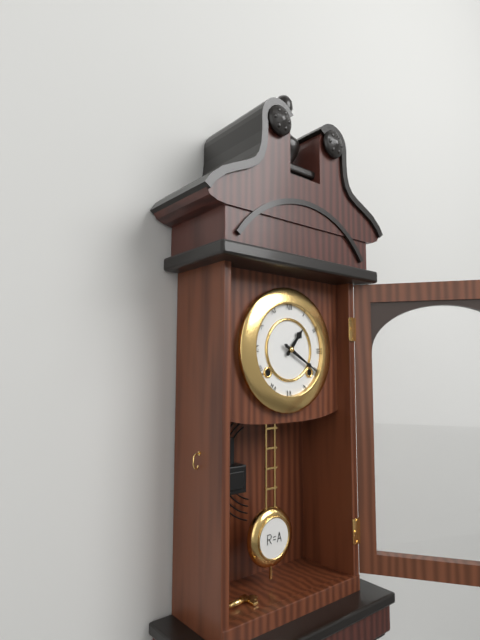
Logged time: 1 h 20 min
